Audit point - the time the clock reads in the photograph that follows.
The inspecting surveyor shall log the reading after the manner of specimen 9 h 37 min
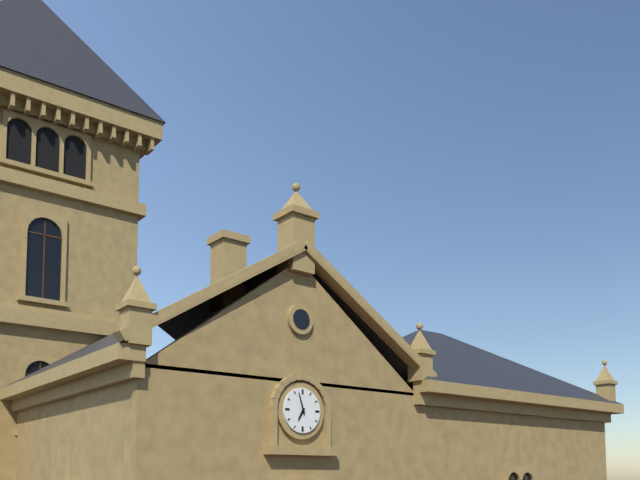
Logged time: 6 h 57 min
